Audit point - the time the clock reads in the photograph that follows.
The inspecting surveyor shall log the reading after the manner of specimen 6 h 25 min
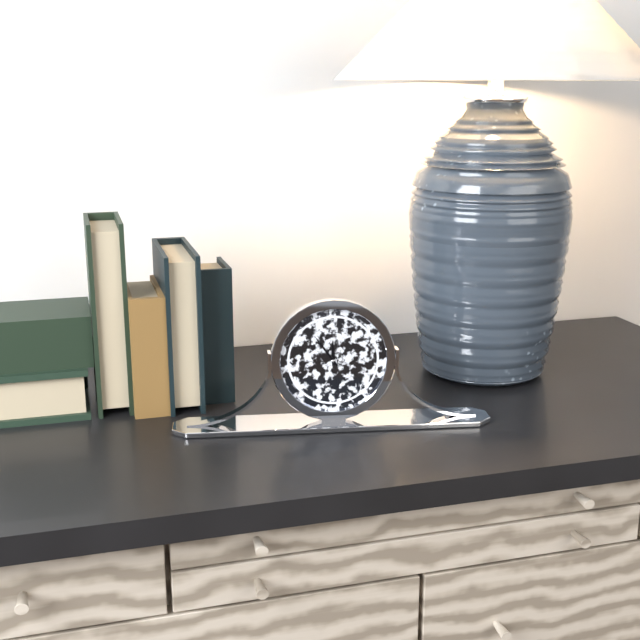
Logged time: 11 h 54 min
